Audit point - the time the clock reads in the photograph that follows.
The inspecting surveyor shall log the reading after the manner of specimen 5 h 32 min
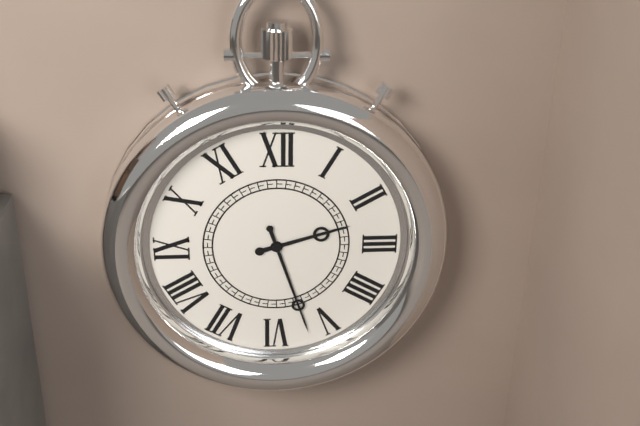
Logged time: 2 h 27 min
